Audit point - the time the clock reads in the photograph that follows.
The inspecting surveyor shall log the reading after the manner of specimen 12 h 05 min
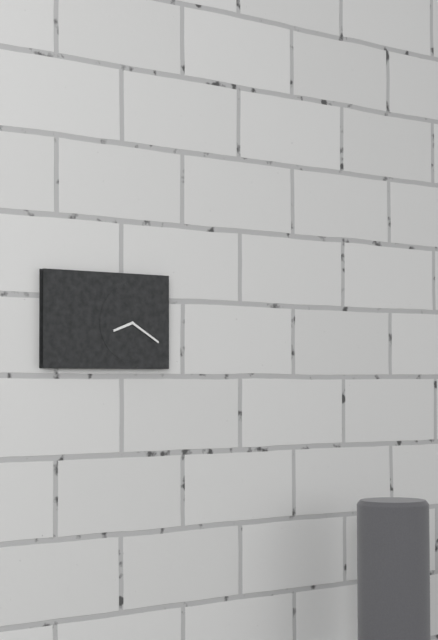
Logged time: 8 h 20 min
